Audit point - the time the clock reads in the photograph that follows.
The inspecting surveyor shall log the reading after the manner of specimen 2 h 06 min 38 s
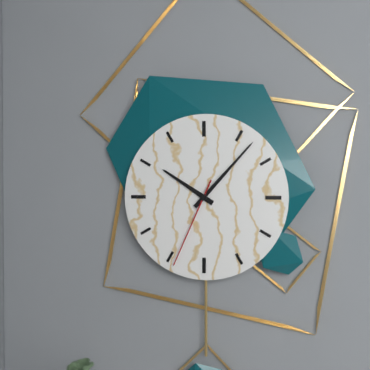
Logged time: 10 h 07 min 34 s
